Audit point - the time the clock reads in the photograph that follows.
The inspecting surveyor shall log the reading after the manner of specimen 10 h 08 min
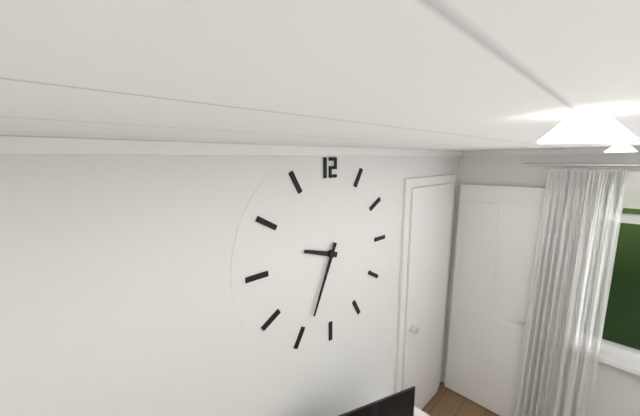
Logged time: 9 h 34 min
